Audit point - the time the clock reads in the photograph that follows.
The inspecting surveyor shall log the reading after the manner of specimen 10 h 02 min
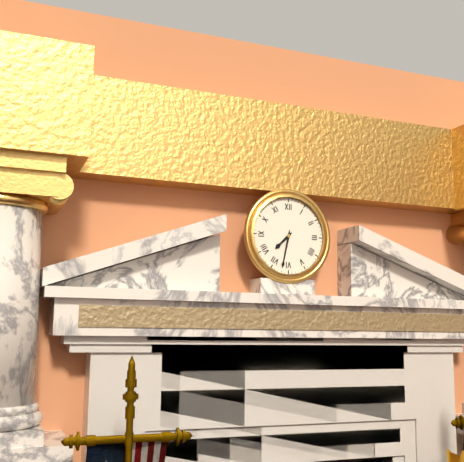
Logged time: 7 h 32 min
